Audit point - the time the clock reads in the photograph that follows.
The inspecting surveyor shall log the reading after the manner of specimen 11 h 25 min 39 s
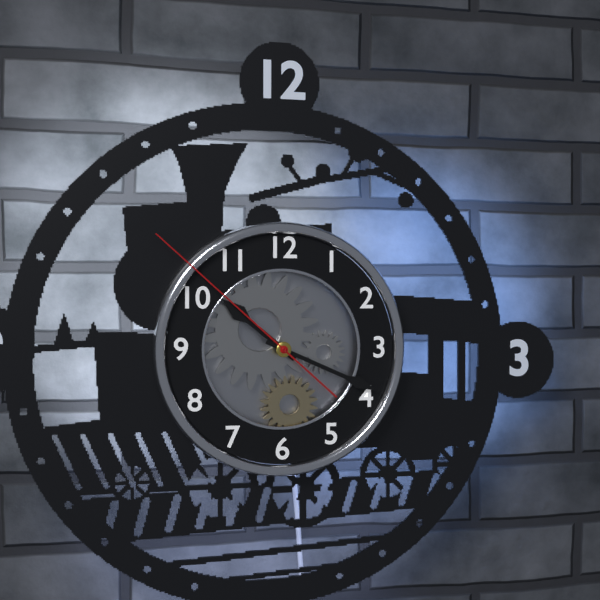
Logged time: 10 h 19 min 52 s
